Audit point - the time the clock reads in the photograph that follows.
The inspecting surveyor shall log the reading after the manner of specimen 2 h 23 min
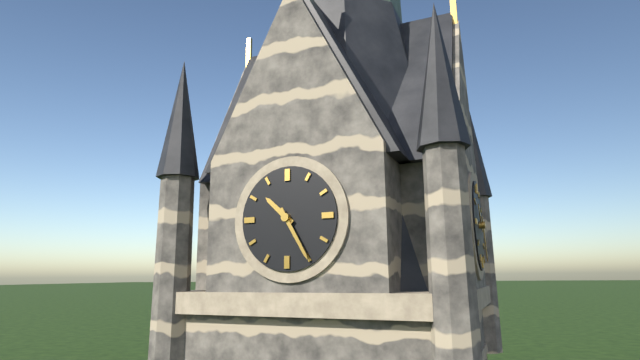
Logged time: 10 h 25 min
